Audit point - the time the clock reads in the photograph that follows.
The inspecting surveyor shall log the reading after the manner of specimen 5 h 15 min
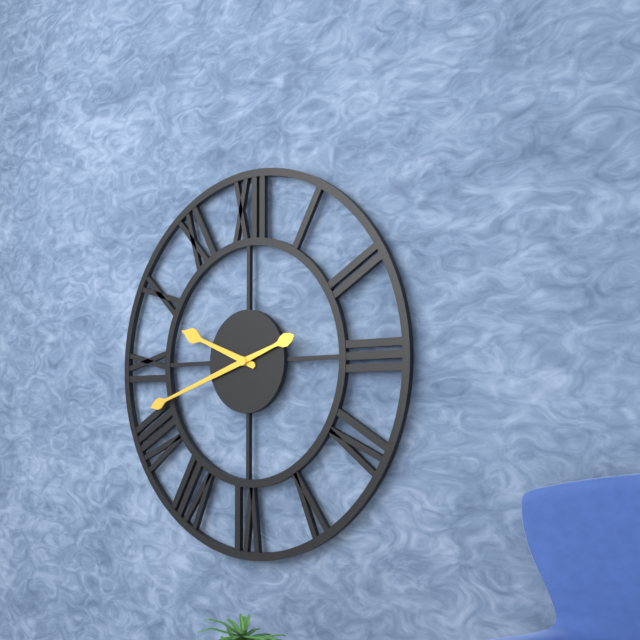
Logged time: 9 h 42 min
